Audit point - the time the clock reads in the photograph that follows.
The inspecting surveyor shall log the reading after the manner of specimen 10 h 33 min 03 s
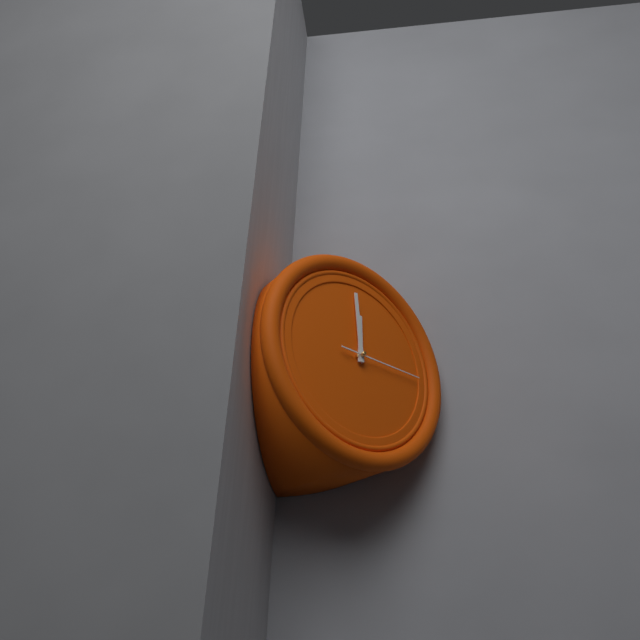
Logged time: 11 h 59 min 15 s
